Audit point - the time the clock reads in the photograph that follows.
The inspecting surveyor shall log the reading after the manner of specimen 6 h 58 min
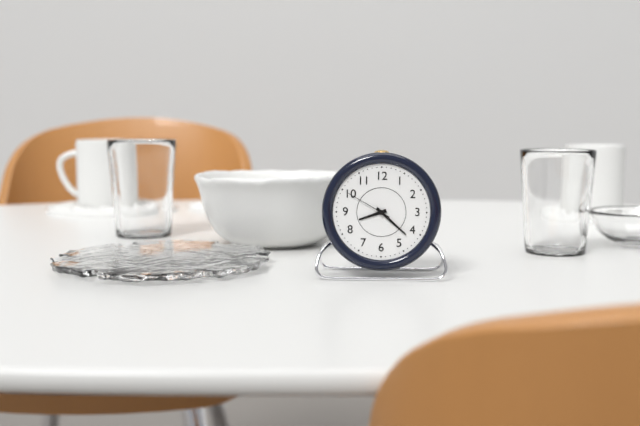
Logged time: 8 h 22 min
